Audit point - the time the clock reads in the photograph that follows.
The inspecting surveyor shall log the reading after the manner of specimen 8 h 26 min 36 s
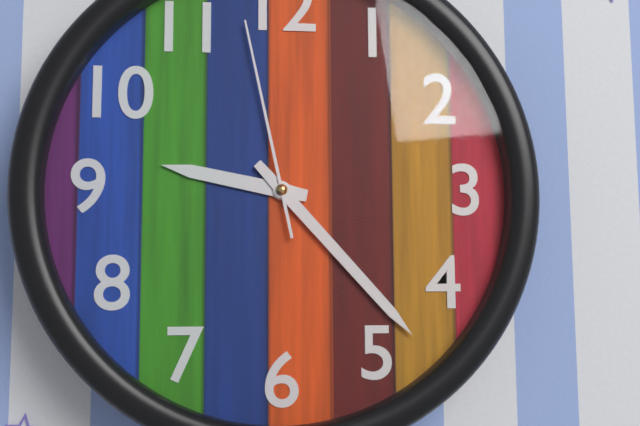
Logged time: 9 h 23 min 58 s
